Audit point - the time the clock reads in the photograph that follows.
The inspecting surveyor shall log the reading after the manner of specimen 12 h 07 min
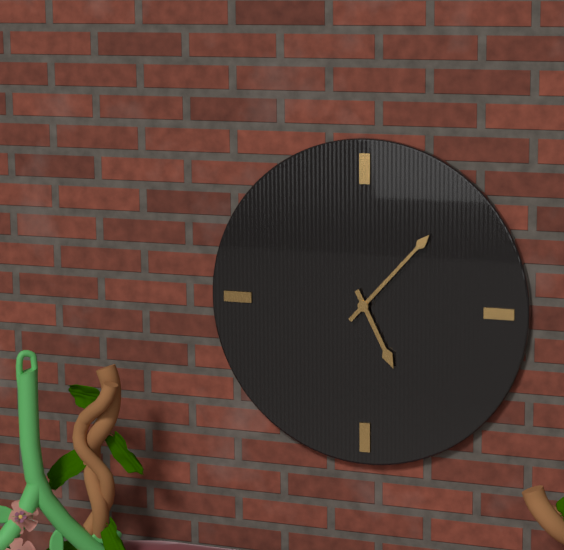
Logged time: 5 h 07 min
